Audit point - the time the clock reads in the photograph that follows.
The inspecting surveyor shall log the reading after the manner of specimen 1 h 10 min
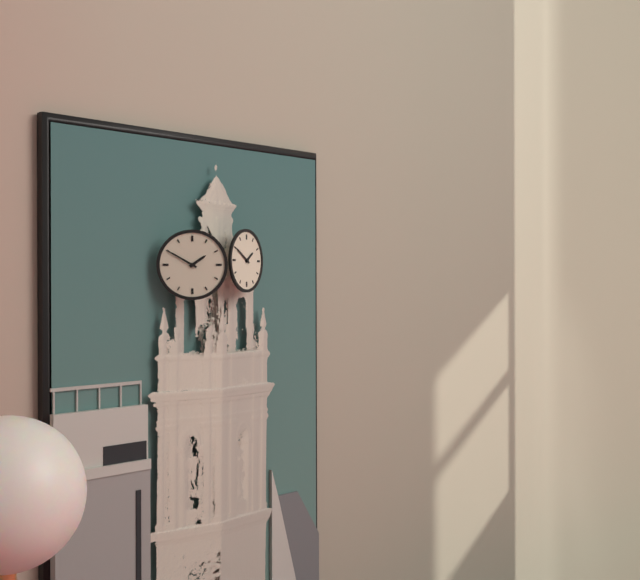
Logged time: 1 h 50 min
